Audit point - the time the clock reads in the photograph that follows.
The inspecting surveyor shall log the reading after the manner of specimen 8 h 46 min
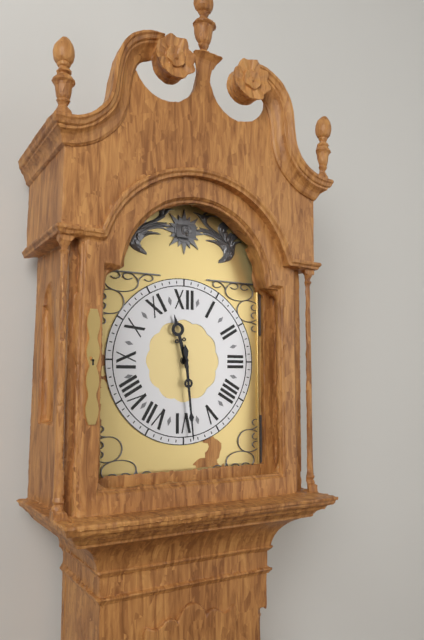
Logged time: 11 h 29 min
